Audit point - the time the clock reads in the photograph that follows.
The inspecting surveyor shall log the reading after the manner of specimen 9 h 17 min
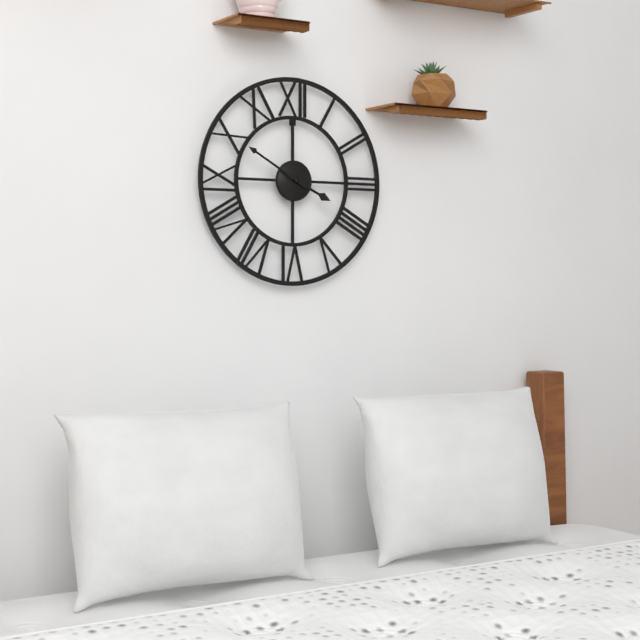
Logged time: 3 h 50 min
